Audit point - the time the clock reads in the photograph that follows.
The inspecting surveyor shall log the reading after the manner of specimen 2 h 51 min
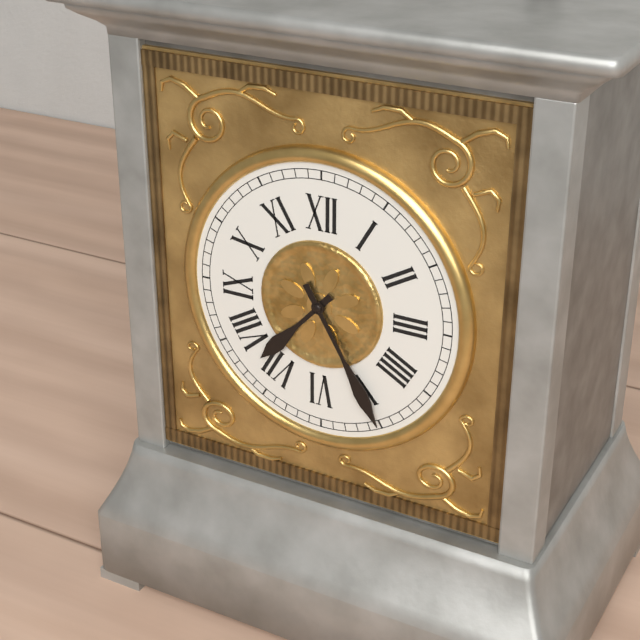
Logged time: 7 h 25 min
